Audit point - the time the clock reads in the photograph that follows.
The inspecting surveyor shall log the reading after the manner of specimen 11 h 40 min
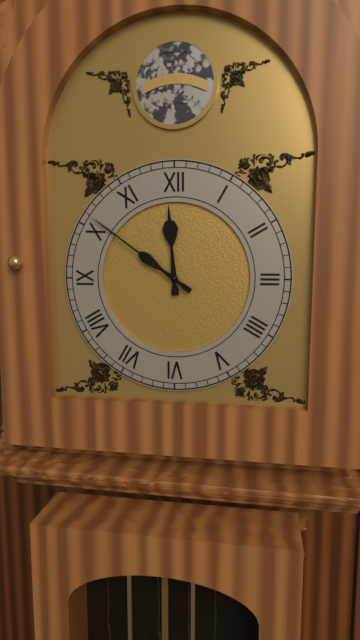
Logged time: 11 h 51 min
